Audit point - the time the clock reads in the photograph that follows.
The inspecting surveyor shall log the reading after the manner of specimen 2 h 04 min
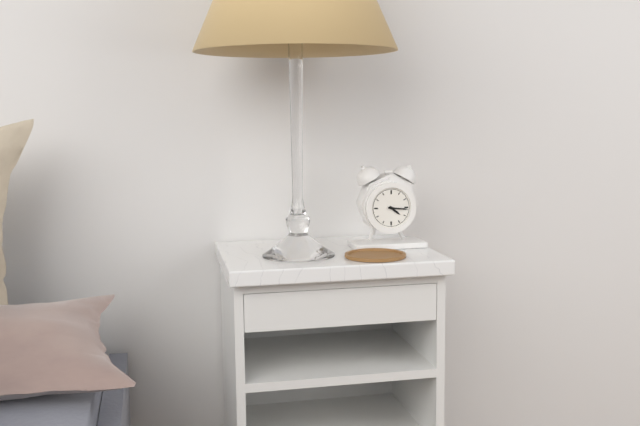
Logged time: 4 h 16 min
